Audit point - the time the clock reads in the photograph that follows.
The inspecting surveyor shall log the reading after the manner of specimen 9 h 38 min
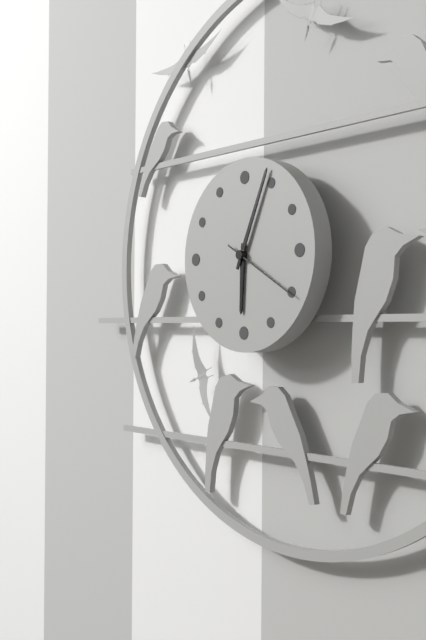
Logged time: 6 h 04 min
